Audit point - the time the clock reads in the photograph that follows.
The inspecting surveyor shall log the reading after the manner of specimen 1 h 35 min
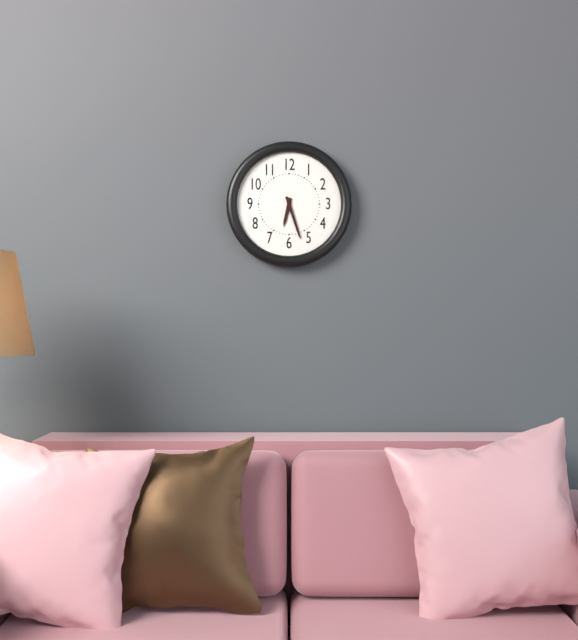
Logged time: 6 h 27 min
